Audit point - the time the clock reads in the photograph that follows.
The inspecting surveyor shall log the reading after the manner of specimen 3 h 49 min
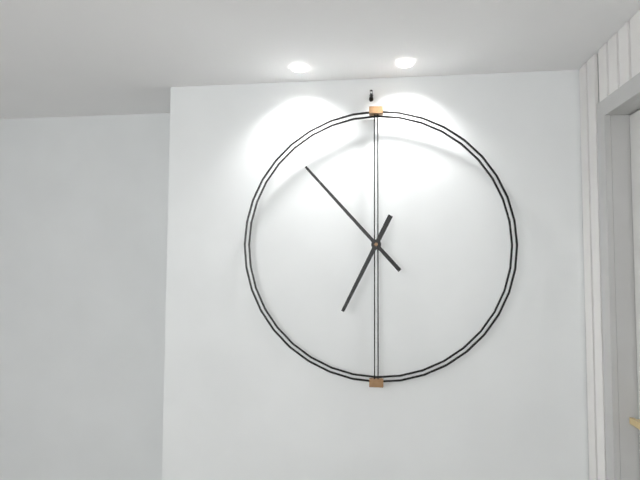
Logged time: 6 h 53 min
